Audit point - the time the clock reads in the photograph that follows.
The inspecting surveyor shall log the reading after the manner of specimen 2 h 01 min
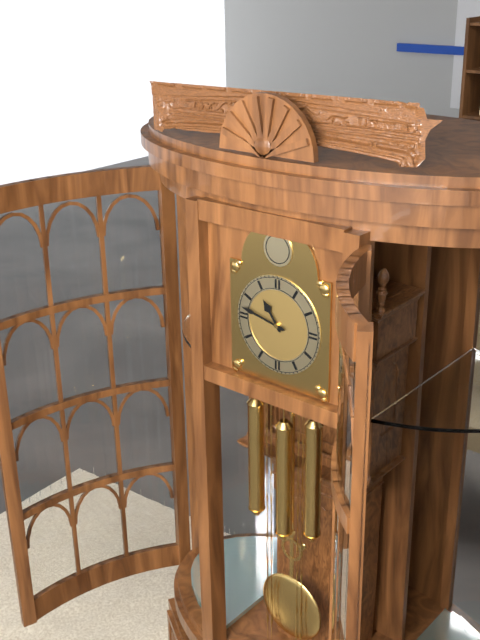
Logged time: 10 h 47 min
